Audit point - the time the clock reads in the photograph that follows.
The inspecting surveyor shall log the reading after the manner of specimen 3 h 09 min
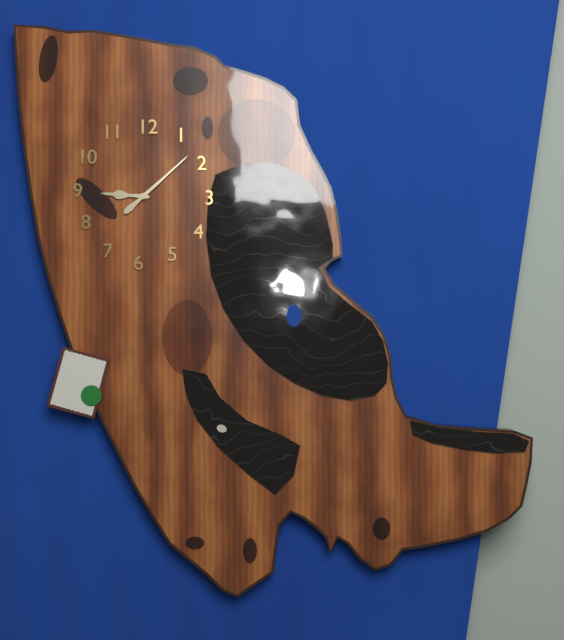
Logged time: 9 h 08 min
